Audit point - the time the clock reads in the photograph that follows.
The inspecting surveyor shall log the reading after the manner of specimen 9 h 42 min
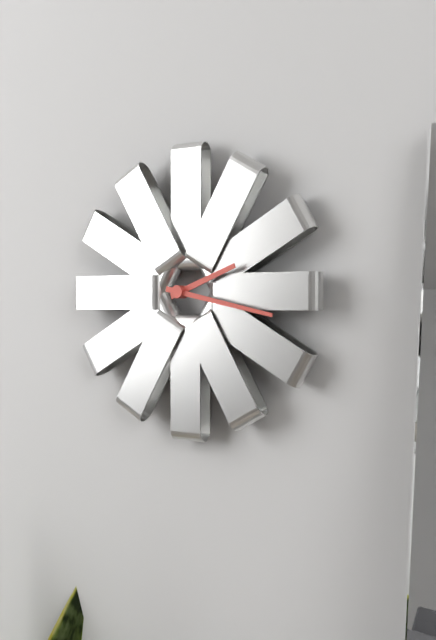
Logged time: 2 h 17 min
